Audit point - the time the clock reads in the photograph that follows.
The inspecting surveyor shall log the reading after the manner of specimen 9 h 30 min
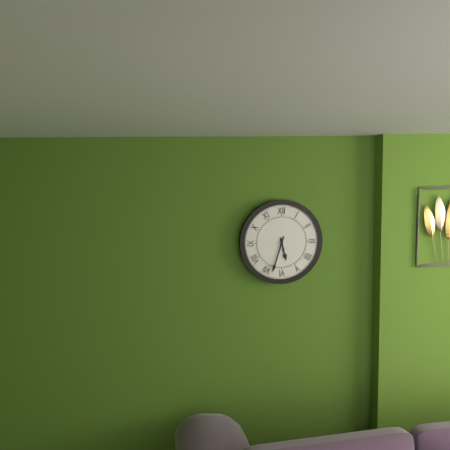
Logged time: 5 h 33 min
